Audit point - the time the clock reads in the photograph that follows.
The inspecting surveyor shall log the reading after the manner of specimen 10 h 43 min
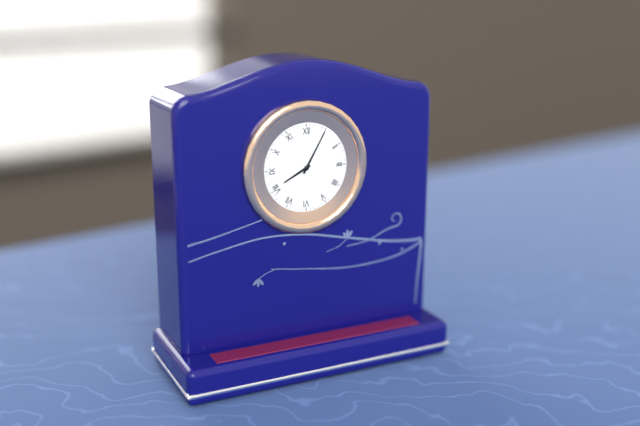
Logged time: 8 h 05 min
